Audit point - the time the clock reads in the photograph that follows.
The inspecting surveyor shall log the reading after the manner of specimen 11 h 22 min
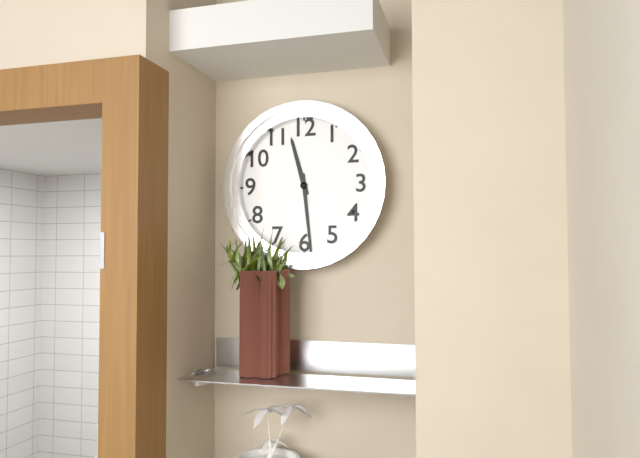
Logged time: 11 h 29 min
